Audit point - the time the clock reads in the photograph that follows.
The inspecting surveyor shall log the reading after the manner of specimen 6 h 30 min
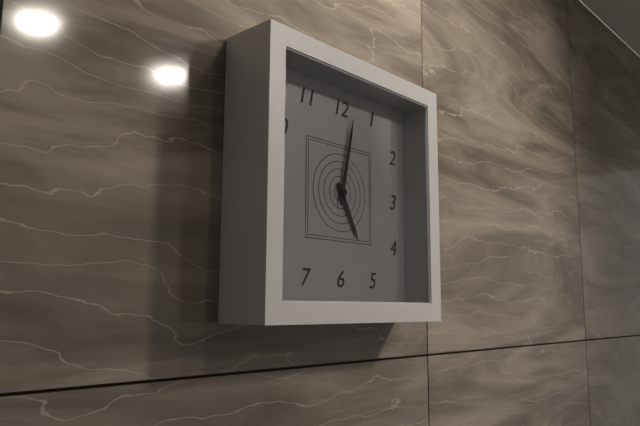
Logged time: 5 h 02 min
